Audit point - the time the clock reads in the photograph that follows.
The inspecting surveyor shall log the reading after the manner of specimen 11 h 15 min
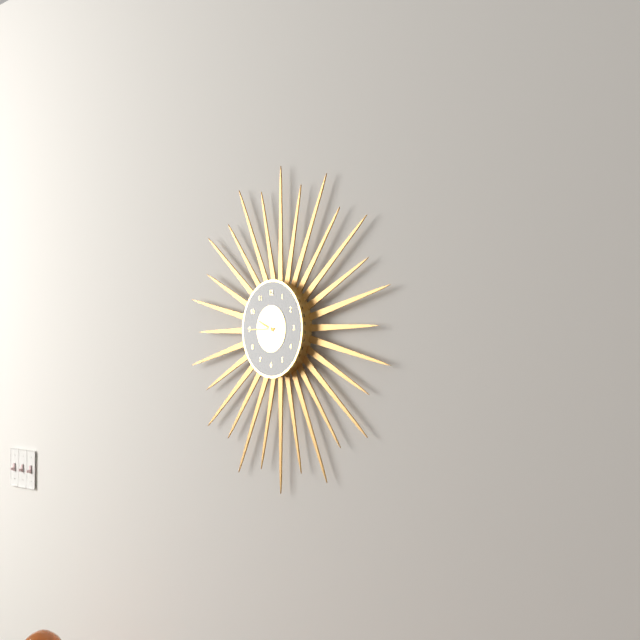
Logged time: 9 h 45 min
